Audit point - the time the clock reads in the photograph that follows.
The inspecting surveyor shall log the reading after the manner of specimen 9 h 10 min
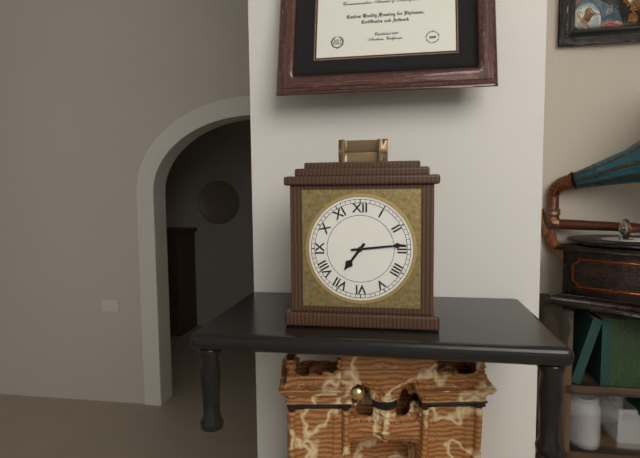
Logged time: 7 h 14 min
